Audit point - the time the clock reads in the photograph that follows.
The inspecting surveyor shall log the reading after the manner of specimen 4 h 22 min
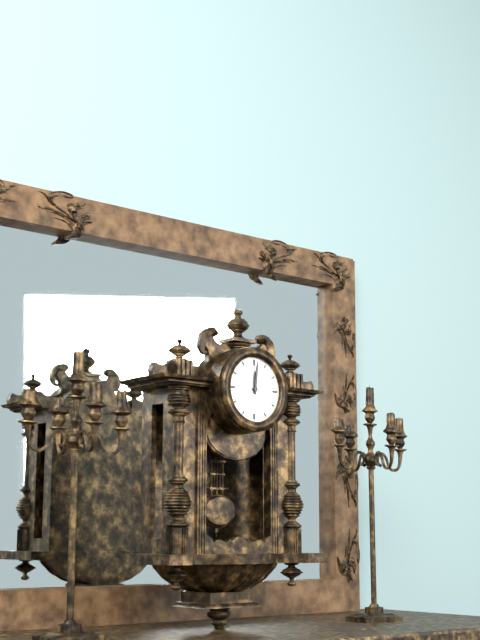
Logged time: 12 h 01 min
